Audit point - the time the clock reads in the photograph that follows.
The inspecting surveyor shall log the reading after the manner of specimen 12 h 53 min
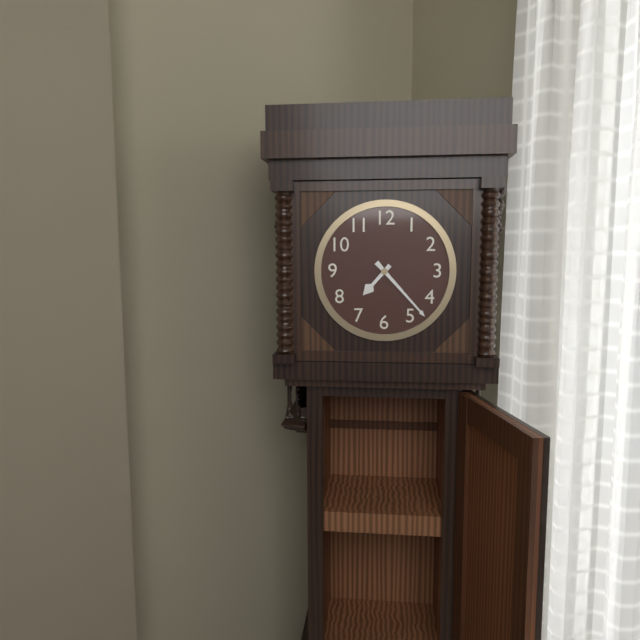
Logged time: 7 h 23 min
